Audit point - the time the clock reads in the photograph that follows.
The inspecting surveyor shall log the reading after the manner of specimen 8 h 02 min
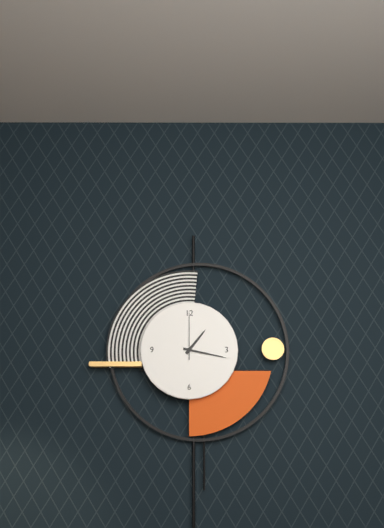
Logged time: 1 h 17 min
